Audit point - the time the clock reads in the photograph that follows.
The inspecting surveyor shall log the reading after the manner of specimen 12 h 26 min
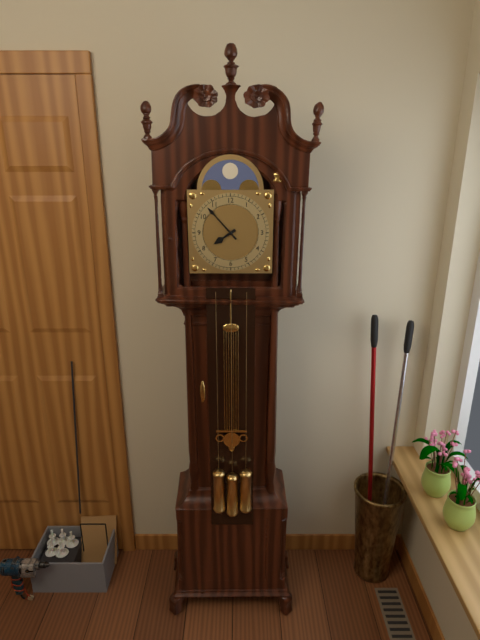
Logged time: 7 h 53 min
